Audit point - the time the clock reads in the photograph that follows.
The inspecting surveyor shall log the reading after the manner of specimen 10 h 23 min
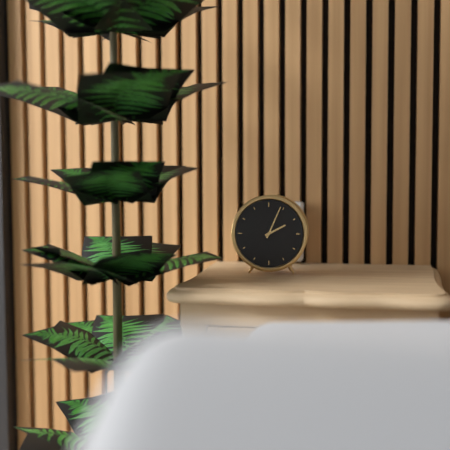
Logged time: 2 h 04 min
